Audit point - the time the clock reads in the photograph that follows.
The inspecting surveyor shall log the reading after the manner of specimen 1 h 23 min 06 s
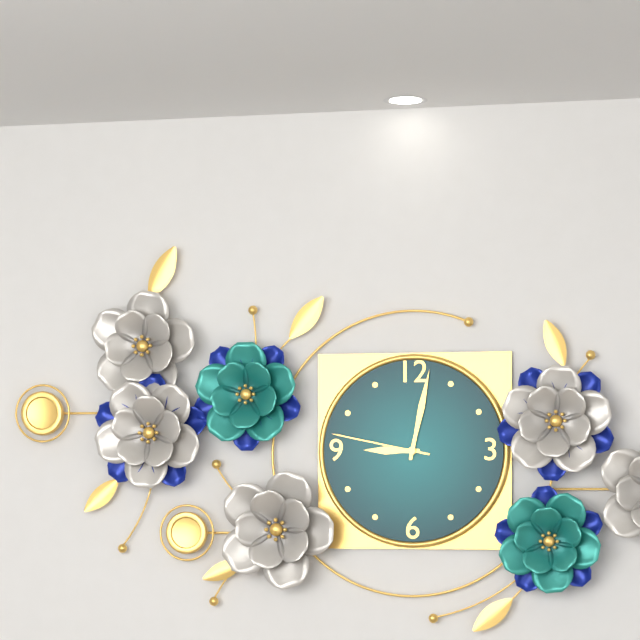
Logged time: 9 h 02 min 47 s
